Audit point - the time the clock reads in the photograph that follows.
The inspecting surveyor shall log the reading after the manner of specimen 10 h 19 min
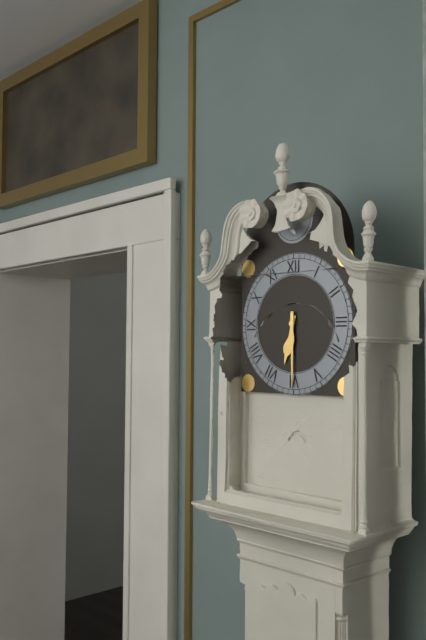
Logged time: 6 h 30 min
